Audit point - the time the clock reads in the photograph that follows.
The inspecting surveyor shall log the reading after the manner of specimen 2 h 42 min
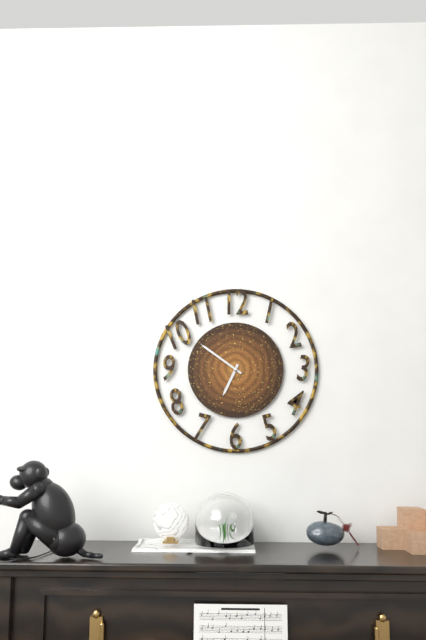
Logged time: 6 h 51 min
